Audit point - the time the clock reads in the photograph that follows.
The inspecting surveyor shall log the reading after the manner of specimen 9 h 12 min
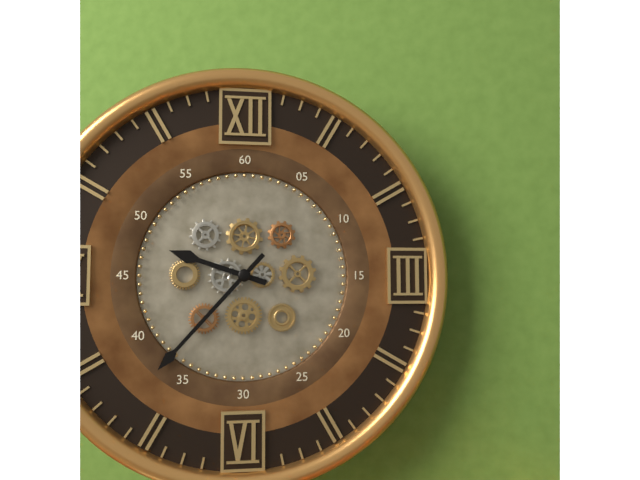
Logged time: 9 h 37 min
